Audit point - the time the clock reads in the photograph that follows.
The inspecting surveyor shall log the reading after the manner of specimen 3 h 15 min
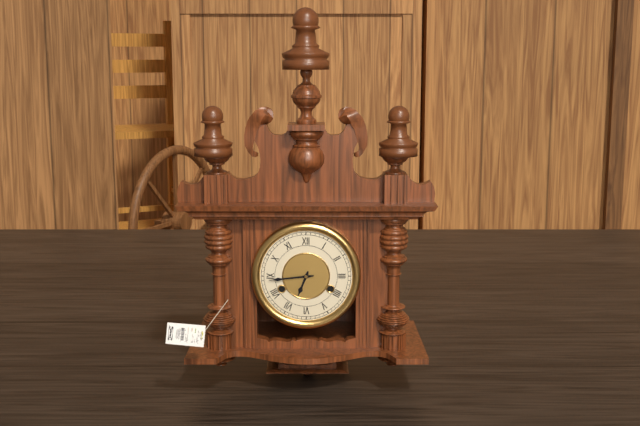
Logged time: 6 h 44 min
